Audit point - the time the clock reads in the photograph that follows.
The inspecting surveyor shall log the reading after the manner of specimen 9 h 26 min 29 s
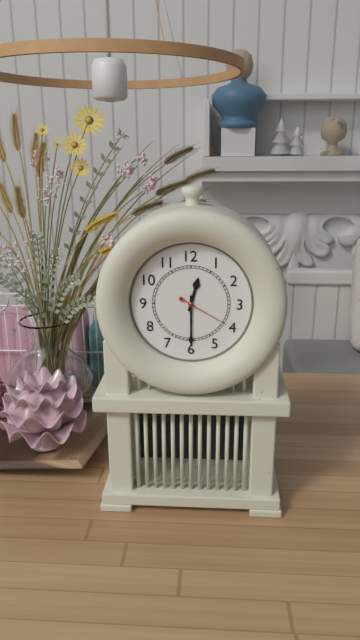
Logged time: 12 h 30 min 20 s
